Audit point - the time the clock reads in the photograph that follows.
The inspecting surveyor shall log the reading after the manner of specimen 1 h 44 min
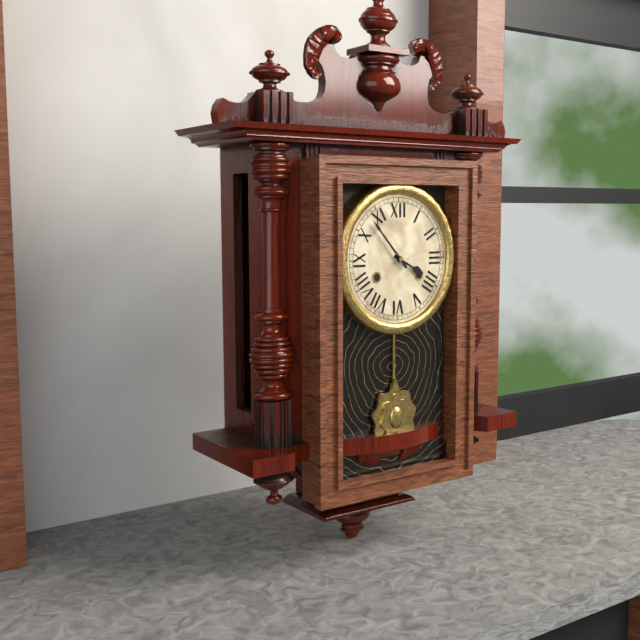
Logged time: 3 h 53 min
